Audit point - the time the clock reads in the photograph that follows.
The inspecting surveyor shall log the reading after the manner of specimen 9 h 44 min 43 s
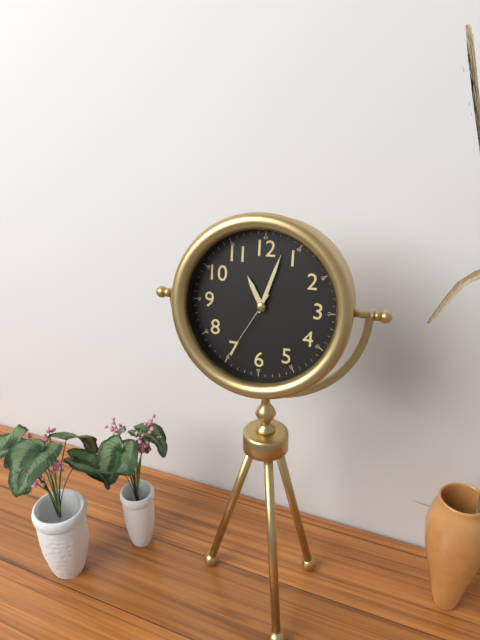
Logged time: 11 h 03 min 35 s
